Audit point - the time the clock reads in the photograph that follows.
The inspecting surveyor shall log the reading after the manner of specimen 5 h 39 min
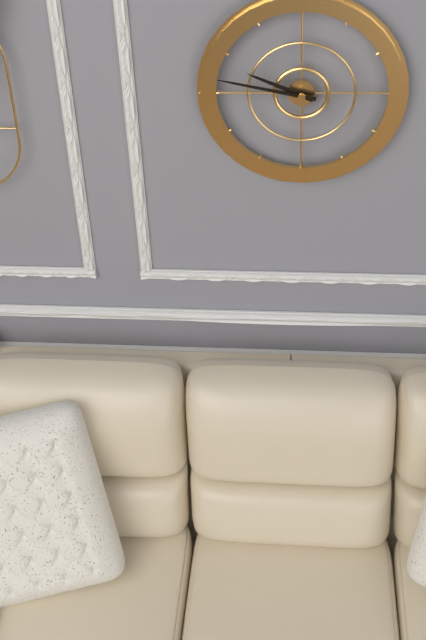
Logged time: 9 h 47 min
